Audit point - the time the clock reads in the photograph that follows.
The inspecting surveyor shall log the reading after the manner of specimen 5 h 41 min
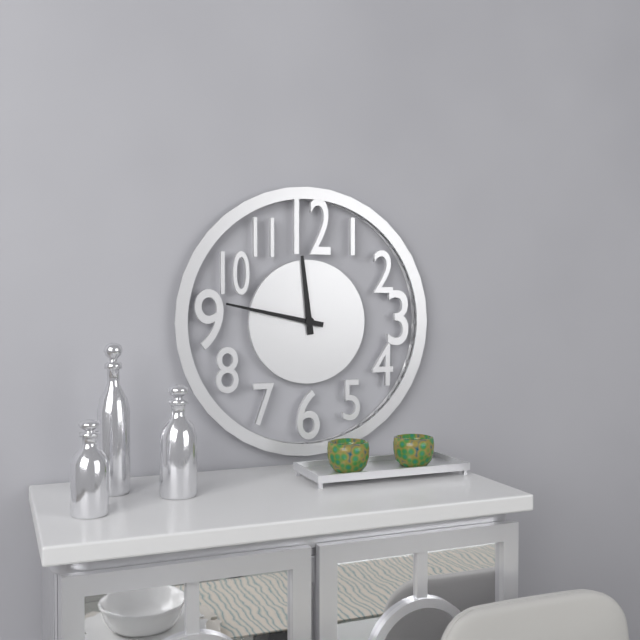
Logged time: 11 h 47 min
